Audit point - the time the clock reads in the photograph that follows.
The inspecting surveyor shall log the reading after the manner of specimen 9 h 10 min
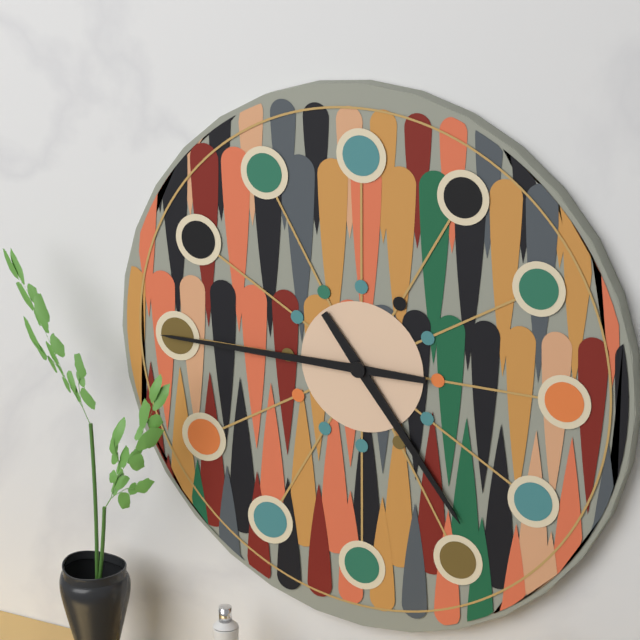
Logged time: 4 h 45 min
